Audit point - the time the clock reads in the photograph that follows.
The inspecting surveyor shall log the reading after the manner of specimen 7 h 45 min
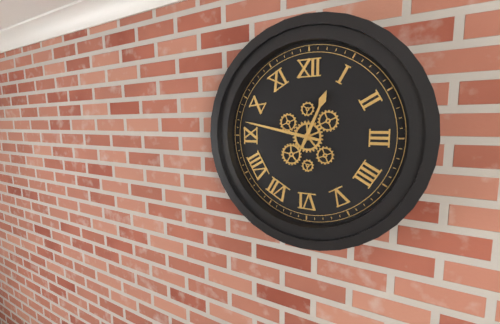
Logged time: 12 h 47 min
